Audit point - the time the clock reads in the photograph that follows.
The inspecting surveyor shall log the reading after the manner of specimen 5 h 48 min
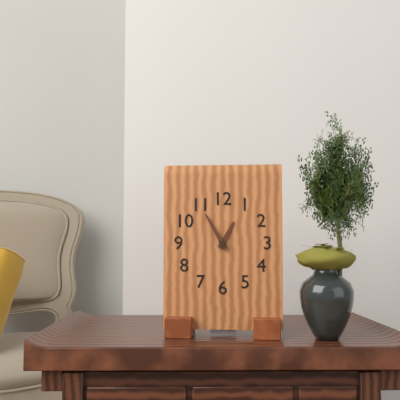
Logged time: 12 h 55 min
